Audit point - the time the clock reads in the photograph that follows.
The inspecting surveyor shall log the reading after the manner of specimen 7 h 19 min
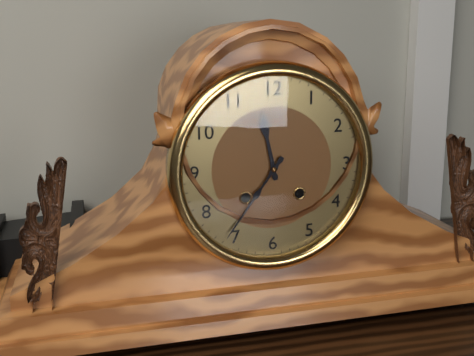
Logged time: 11 h 36 min
